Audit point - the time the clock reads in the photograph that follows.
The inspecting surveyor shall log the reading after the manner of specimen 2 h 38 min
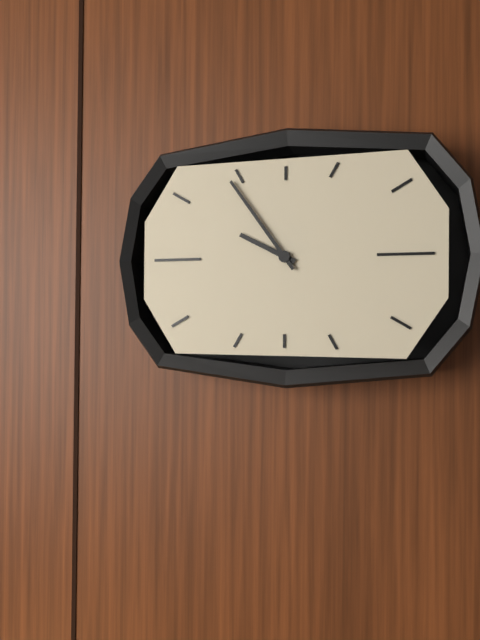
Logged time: 9 h 54 min
